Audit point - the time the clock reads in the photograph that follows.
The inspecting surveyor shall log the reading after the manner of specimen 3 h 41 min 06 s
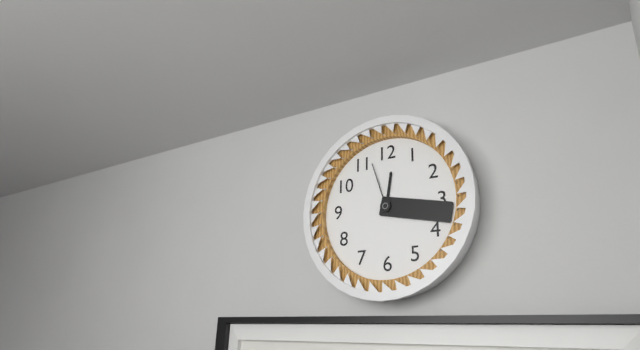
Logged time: 12 h 17 min 57 s
